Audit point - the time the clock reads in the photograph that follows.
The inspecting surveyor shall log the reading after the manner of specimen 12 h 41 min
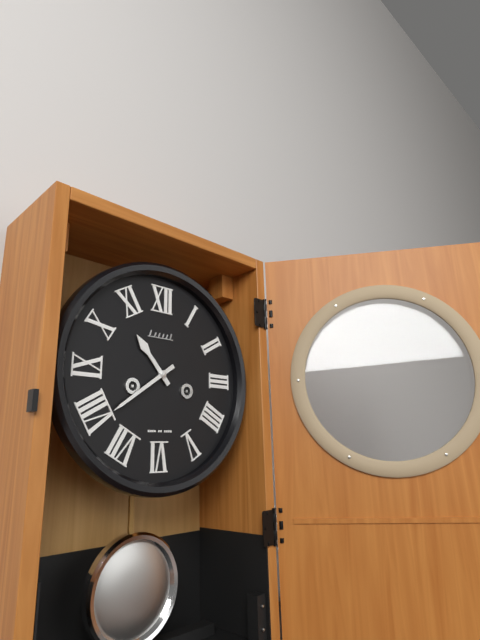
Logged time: 10 h 39 min
